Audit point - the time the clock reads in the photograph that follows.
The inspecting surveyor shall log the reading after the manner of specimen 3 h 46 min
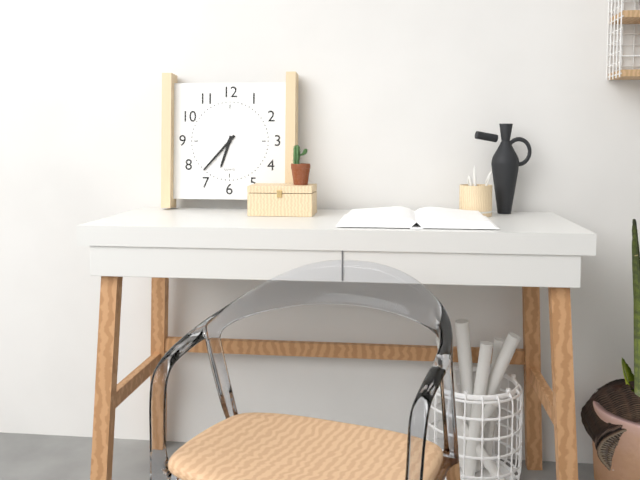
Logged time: 6 h 37 min
